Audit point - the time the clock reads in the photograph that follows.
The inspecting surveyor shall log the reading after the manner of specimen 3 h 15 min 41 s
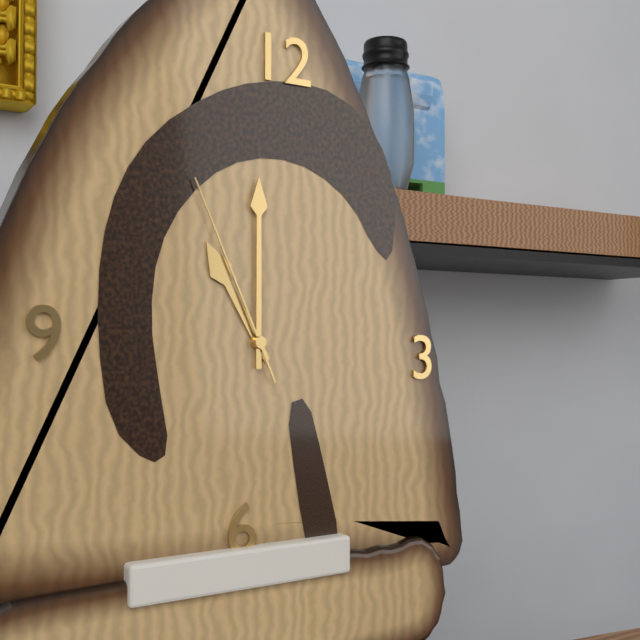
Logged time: 11 h 00 min 56 s
